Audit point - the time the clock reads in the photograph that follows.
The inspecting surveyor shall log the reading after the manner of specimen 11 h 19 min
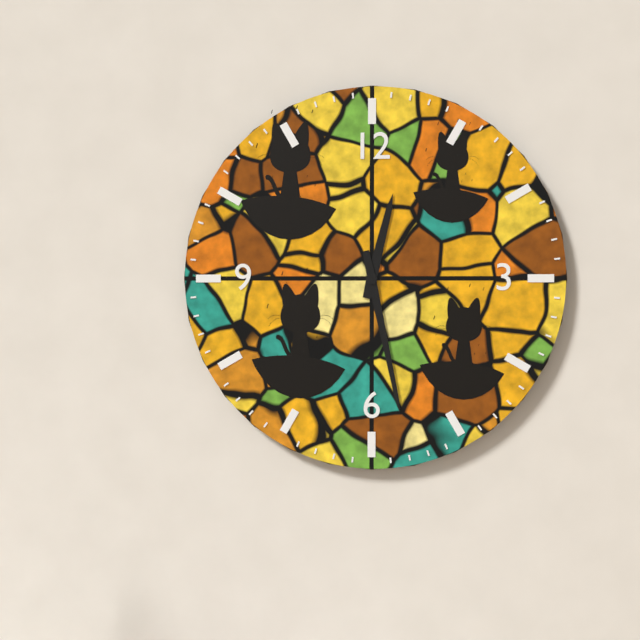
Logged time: 12 h 28 min
